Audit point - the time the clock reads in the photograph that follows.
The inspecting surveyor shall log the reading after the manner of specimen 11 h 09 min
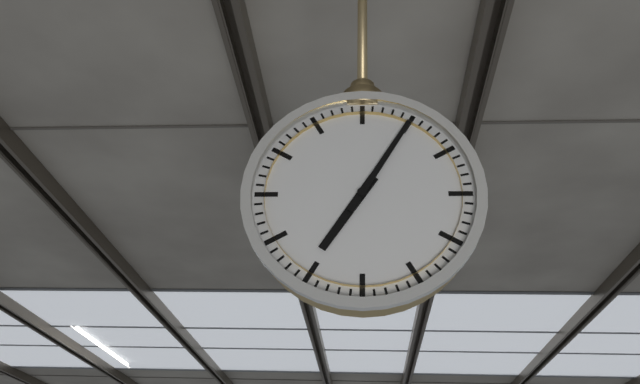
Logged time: 7 h 05 min
